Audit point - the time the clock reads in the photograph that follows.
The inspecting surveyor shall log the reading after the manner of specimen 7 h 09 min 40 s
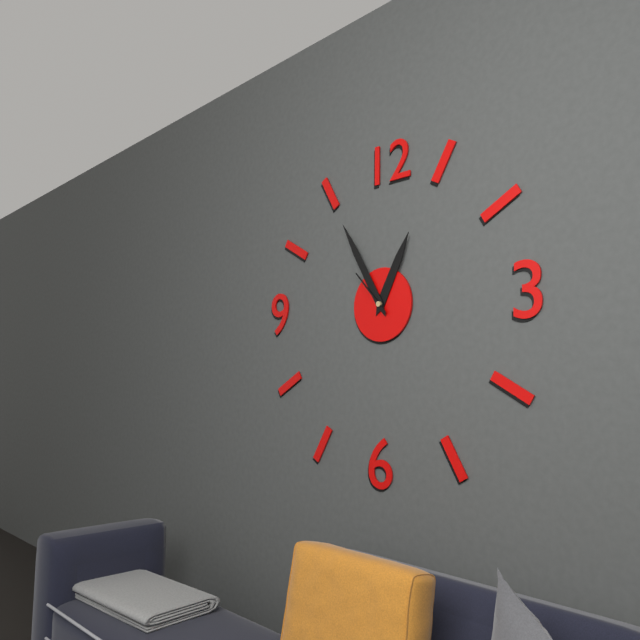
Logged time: 12 h 55 min 53 s
